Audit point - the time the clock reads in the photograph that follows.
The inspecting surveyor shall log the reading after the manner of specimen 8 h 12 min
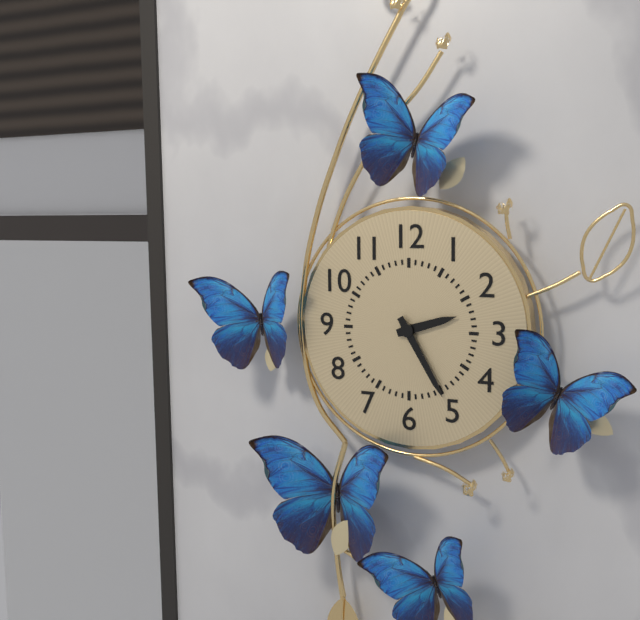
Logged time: 2 h 25 min
